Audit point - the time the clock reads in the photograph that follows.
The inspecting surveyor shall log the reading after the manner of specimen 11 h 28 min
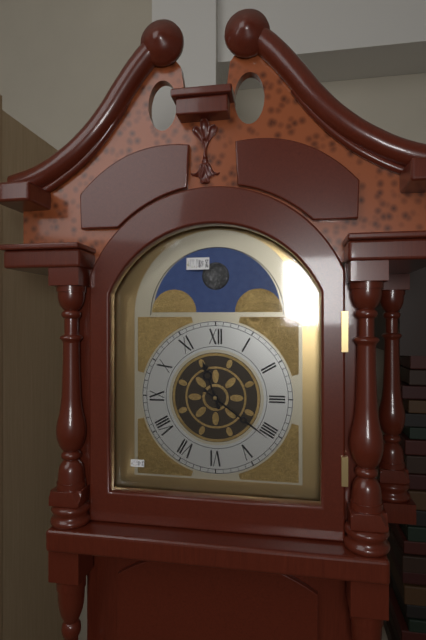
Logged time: 11 h 21 min
